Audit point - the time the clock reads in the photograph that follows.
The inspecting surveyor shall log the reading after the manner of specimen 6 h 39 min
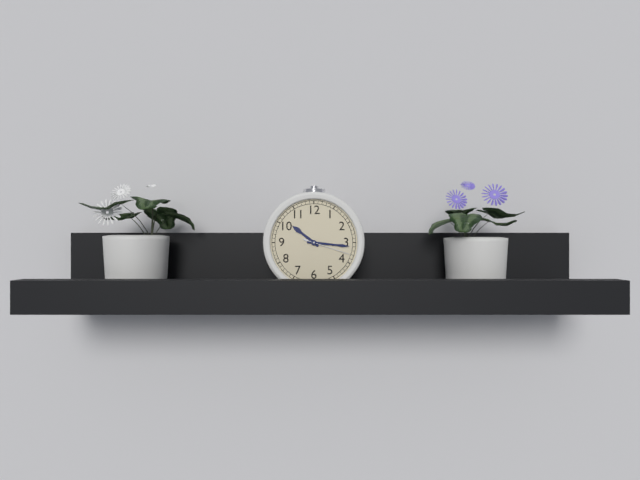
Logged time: 10 h 16 min
